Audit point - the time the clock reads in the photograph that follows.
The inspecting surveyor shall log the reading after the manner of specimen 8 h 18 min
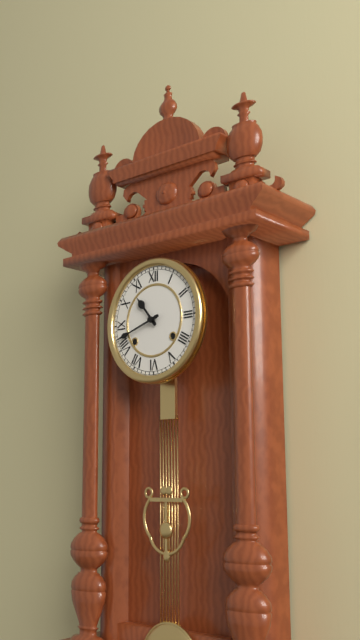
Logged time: 10 h 42 min
